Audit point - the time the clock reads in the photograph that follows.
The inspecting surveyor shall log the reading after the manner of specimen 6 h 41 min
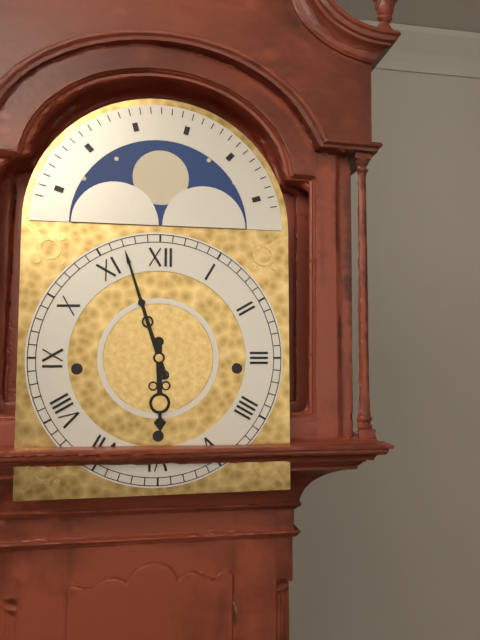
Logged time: 5 h 57 min
